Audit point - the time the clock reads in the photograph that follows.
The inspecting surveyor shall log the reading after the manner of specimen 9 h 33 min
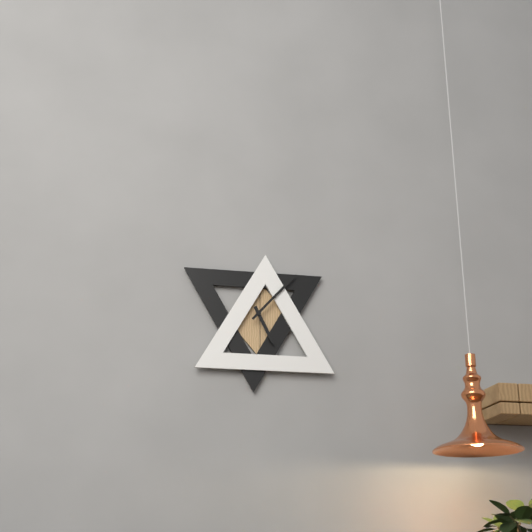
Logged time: 5 h 07 min
